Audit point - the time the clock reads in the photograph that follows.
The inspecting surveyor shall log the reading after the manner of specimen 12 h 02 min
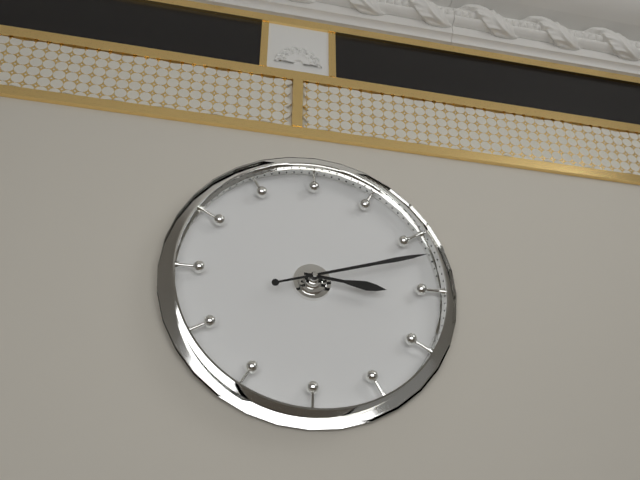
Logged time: 3 h 12 min
